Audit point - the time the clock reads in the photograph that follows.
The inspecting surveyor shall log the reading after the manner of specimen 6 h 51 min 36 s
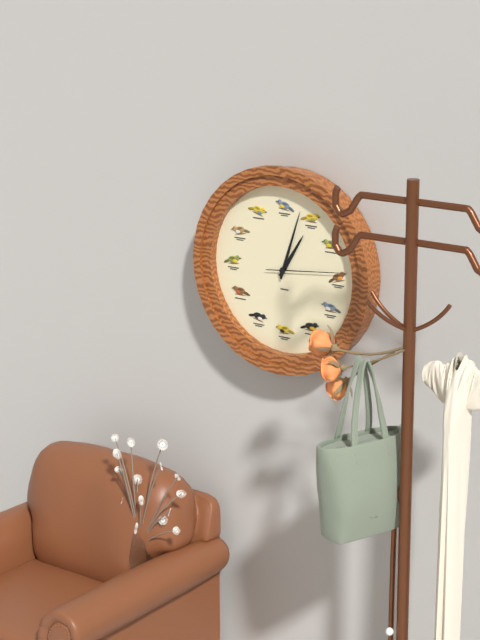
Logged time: 1 h 03 min 14 s
